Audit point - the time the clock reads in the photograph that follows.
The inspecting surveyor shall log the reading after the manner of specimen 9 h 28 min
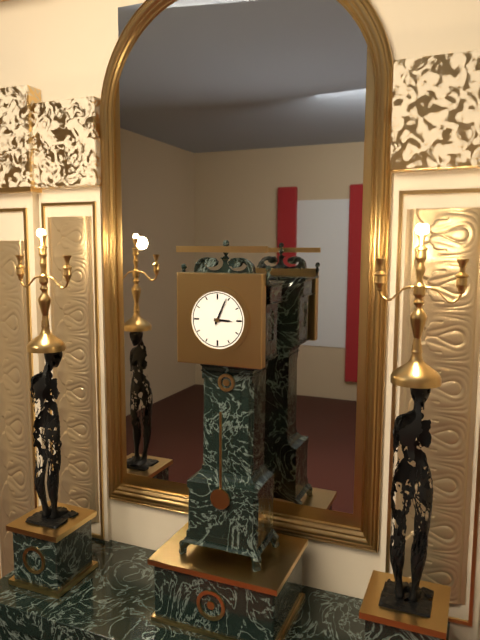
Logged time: 3 h 04 min
